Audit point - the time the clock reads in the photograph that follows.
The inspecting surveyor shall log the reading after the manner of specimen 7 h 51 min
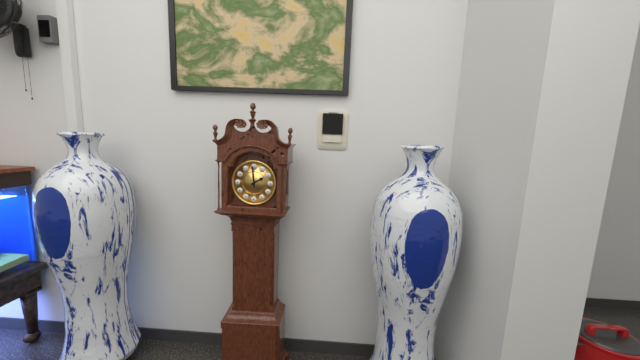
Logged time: 1 h 59 min
